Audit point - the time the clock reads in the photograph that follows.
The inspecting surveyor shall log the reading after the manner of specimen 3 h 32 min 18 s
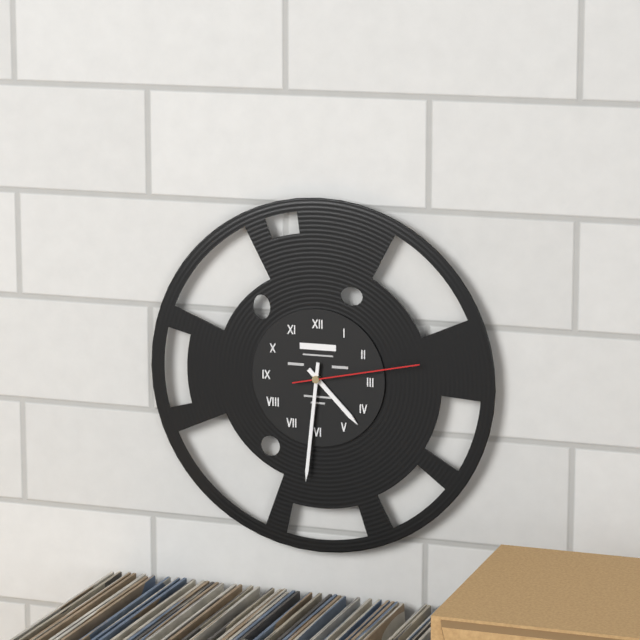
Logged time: 4 h 31 min 13 s
